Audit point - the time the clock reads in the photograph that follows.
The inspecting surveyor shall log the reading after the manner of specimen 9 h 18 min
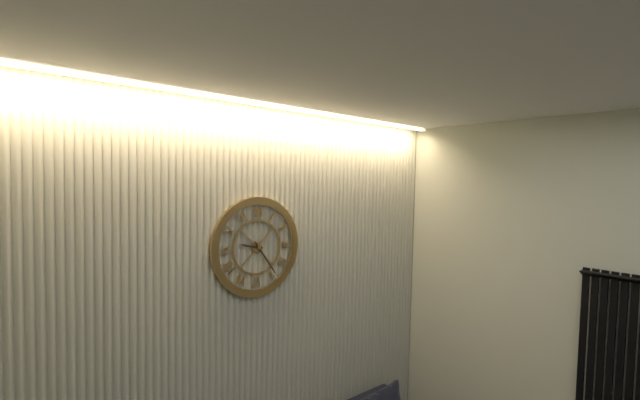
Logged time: 9 h 24 min
